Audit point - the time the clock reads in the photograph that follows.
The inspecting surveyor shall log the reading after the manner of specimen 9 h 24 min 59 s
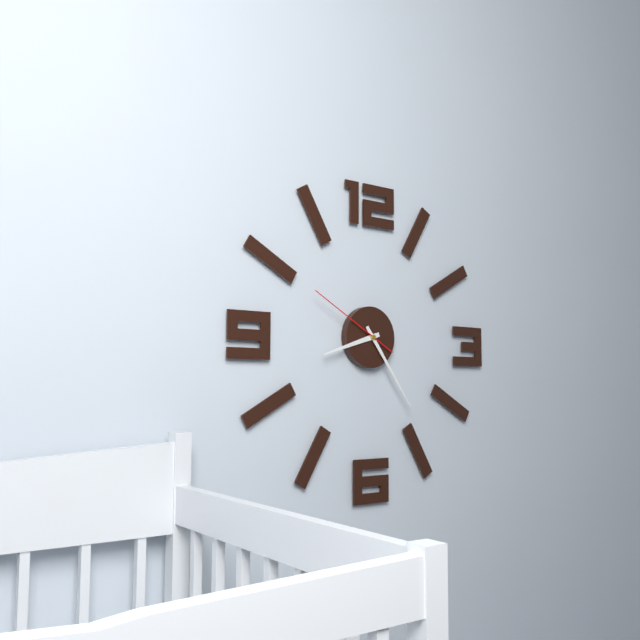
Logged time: 8 h 24 min 50 s
